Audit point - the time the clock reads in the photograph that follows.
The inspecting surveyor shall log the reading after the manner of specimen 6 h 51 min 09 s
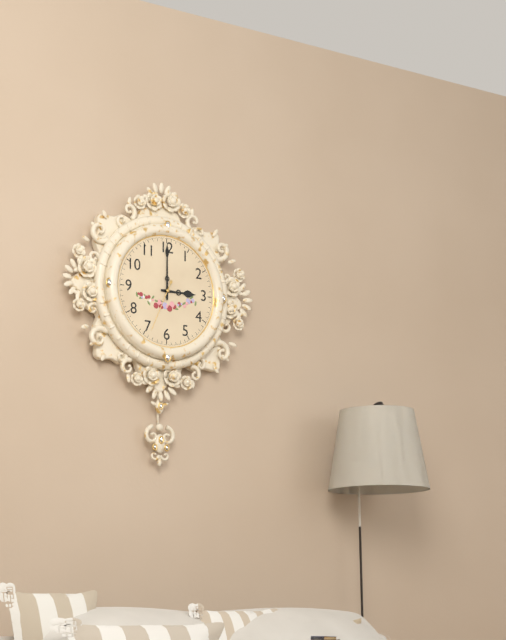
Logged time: 3 h 00 min 34 s
